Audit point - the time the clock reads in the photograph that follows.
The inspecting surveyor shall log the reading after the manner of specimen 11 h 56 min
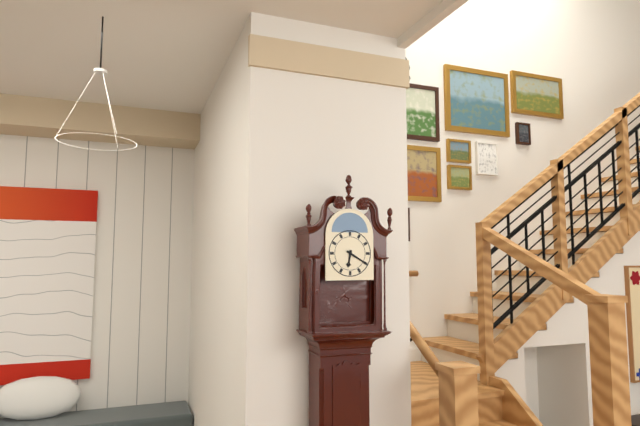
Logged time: 6 h 20 min
